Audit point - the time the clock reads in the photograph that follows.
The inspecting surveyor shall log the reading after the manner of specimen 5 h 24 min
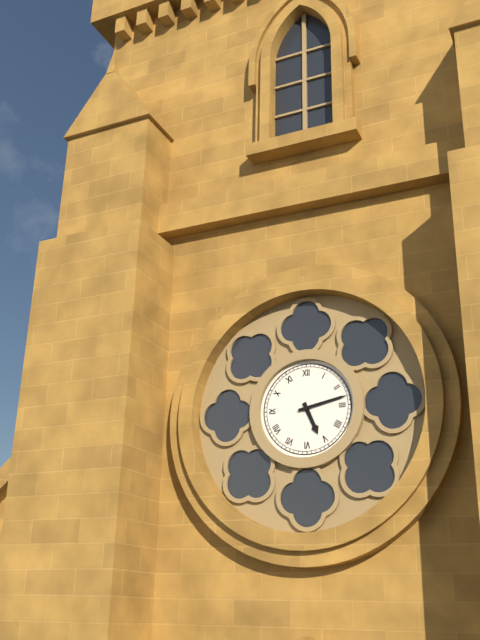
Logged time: 5 h 13 min
